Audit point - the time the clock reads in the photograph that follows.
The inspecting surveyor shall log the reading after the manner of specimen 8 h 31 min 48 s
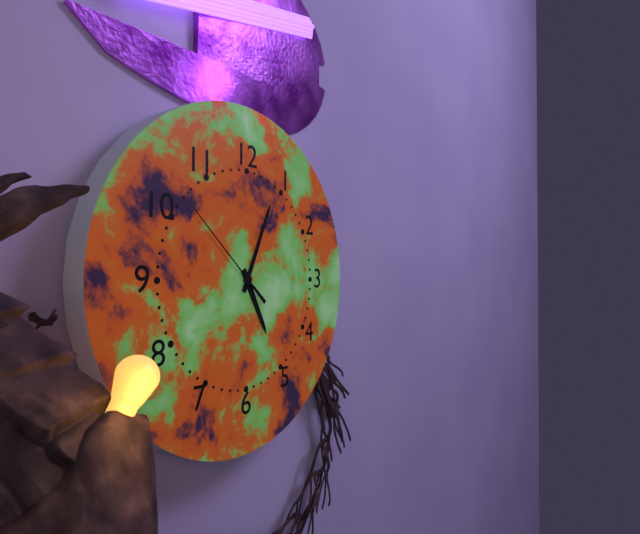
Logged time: 5 h 04 min 52 s
